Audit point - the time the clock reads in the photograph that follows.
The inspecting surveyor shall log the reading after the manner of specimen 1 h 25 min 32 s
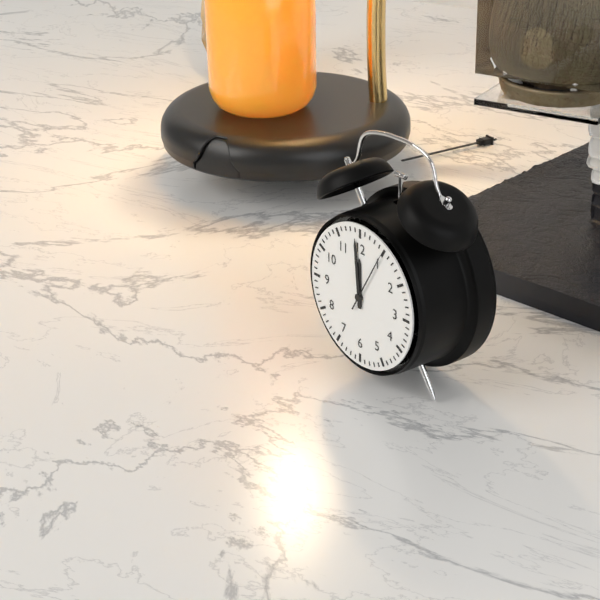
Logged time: 11 h 59 min 05 s
